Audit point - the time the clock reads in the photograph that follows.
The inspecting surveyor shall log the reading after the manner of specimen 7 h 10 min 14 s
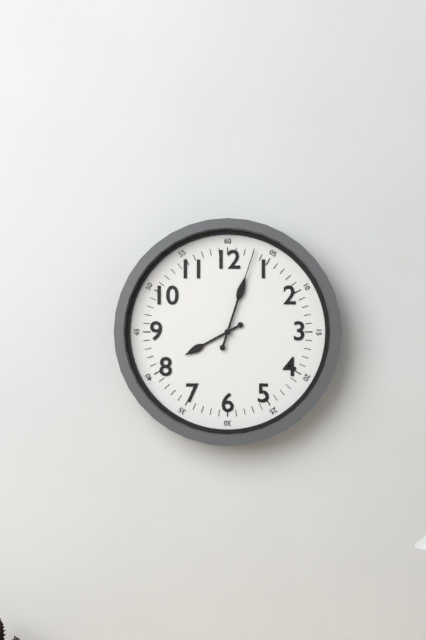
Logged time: 8 h 03 min 03 s
